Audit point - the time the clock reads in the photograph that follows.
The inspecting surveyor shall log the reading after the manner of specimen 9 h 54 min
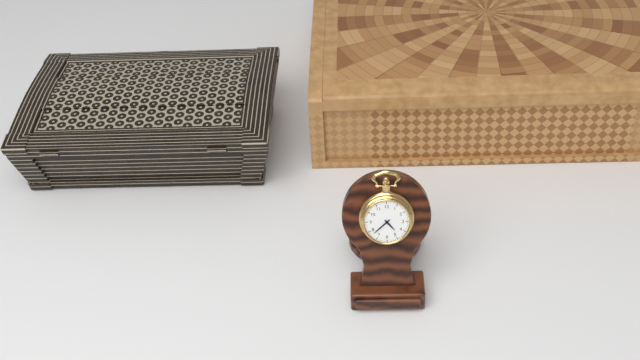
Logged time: 4 h 38 min
